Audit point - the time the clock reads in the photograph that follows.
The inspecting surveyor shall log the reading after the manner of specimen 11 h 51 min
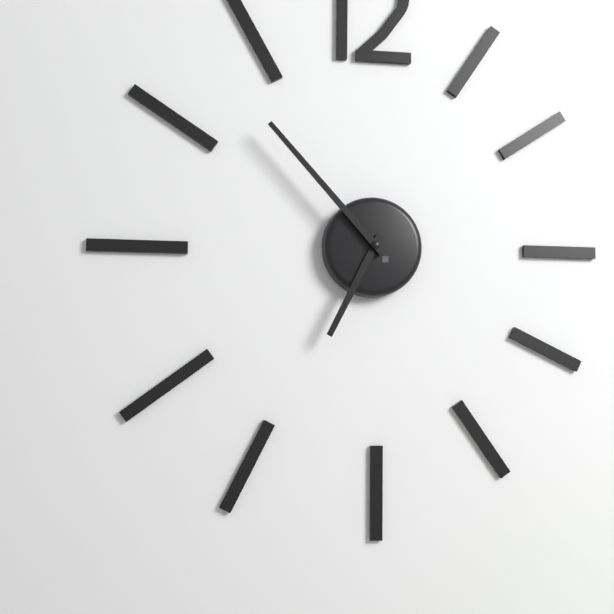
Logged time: 6 h 53 min
